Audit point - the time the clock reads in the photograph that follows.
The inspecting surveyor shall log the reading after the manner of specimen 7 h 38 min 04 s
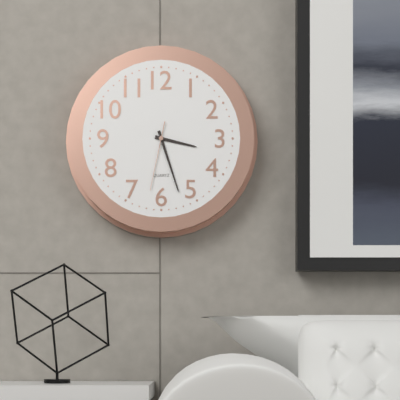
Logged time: 3 h 27 min 32 s
